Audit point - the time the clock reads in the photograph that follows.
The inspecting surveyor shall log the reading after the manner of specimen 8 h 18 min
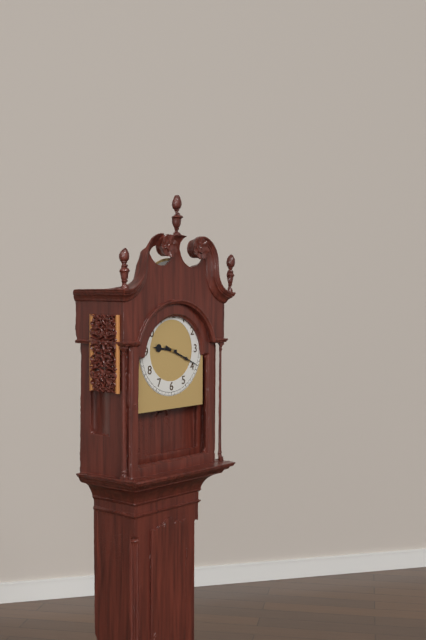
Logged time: 9 h 19 min
